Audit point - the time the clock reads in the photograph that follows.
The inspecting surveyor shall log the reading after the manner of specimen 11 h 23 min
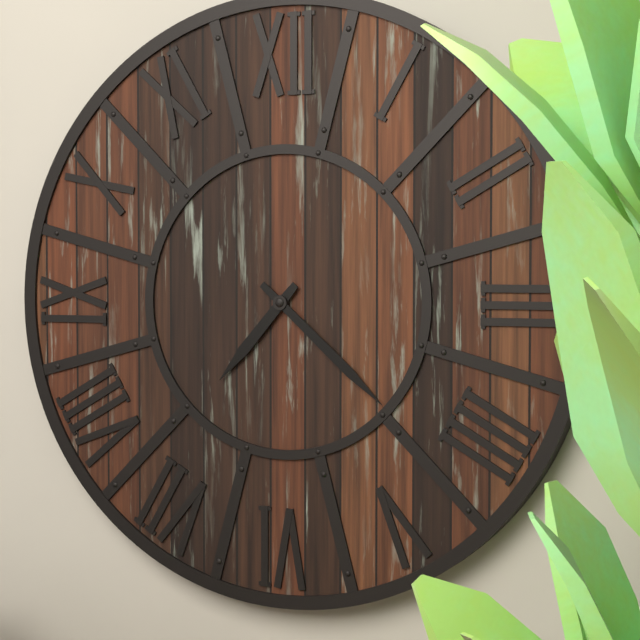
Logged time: 7 h 22 min
